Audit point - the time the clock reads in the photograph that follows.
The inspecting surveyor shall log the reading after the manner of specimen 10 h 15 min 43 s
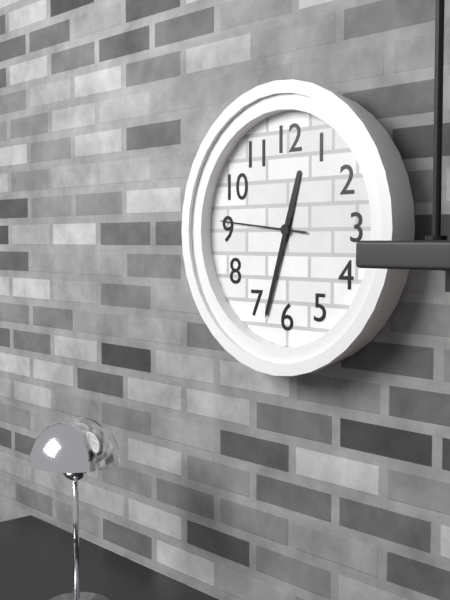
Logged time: 12 h 33 min 46 s
